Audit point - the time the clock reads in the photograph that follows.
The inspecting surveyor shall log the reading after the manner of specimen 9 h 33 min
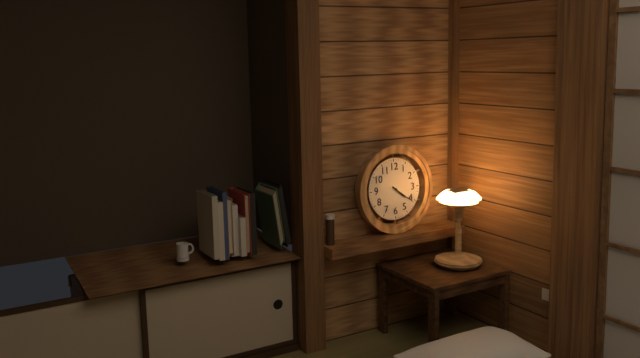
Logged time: 4 h 21 min
